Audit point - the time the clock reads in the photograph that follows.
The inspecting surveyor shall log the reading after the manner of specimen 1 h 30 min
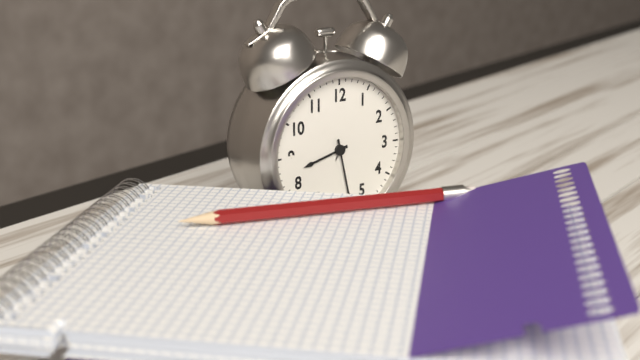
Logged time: 8 h 28 min
